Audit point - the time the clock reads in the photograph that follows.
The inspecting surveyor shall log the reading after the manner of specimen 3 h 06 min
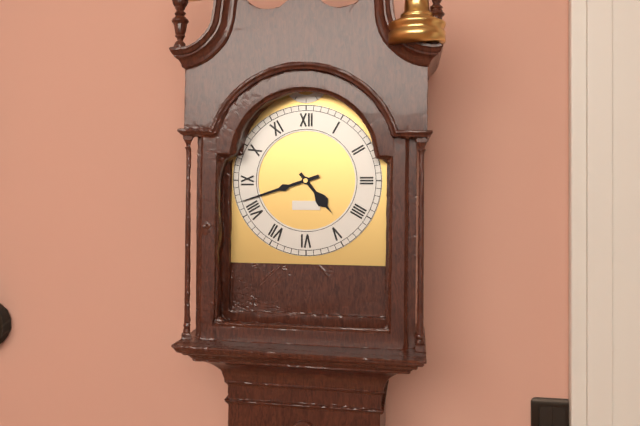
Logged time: 4 h 42 min
